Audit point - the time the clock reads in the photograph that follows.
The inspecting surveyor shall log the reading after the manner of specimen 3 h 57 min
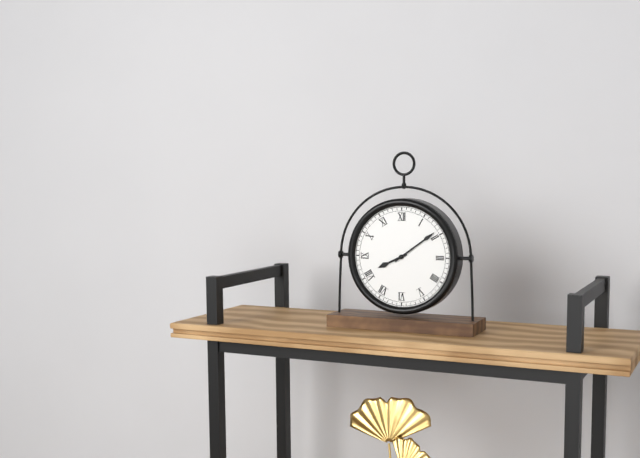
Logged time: 8 h 09 min
